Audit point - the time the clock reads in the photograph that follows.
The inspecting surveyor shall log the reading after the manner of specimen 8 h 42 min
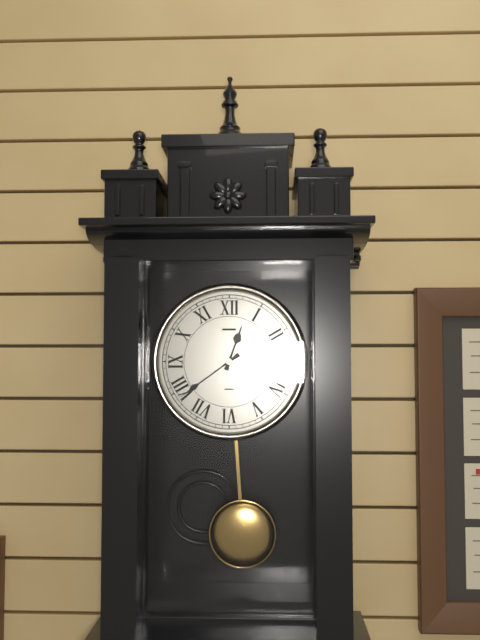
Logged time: 12 h 39 min
